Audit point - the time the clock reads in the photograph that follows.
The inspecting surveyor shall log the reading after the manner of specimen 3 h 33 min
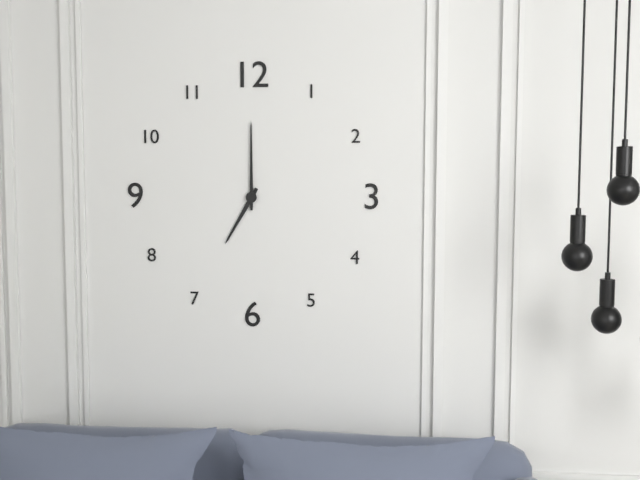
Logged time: 7 h 00 min
